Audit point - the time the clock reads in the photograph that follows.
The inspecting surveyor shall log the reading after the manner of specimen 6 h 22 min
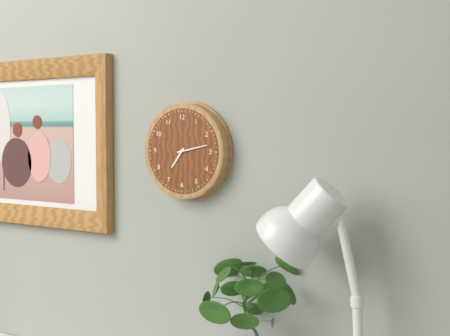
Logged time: 7 h 13 min
